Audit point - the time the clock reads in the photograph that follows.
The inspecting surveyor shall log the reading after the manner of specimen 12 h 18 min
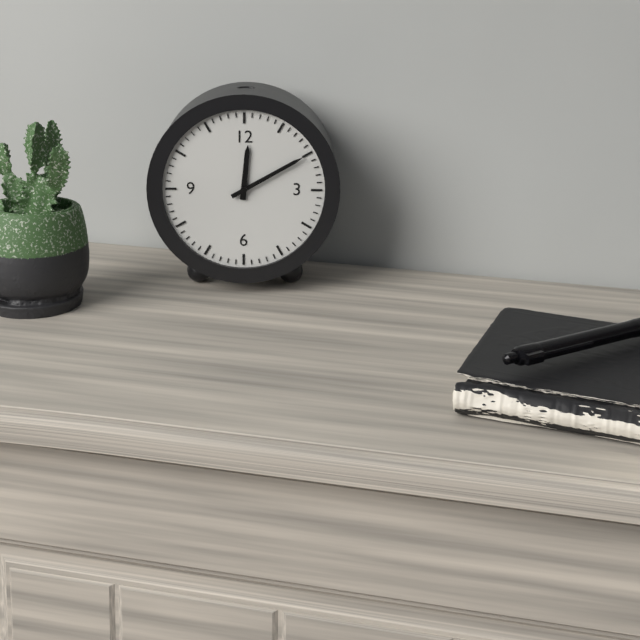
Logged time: 12 h 10 min
